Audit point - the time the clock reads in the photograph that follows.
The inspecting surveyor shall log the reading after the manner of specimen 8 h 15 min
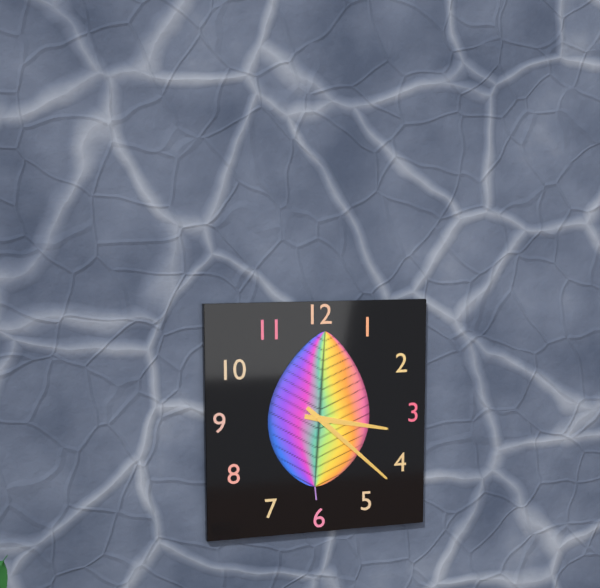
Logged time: 3 h 22 min
